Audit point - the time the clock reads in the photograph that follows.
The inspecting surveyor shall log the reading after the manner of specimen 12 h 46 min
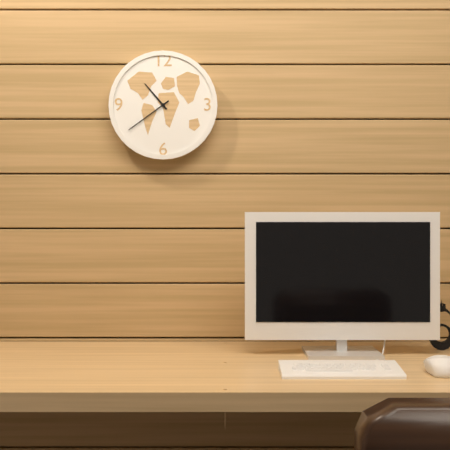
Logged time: 10 h 39 min
